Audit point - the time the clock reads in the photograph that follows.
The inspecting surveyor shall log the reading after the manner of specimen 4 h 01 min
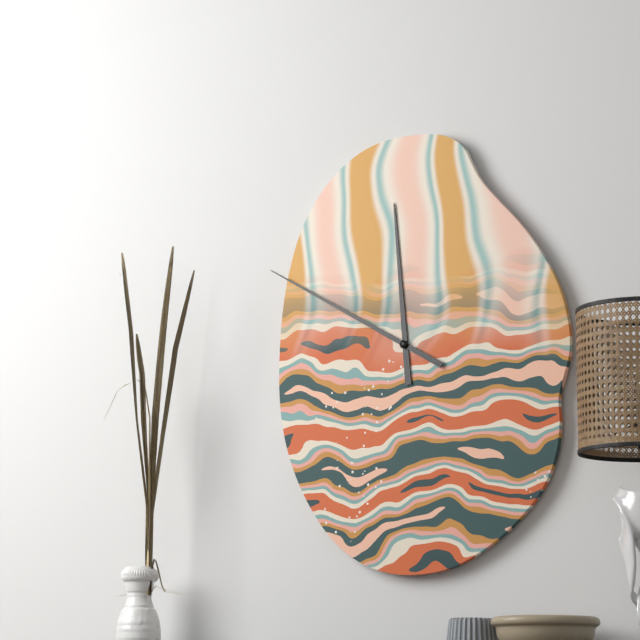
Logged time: 11 h 50 min
